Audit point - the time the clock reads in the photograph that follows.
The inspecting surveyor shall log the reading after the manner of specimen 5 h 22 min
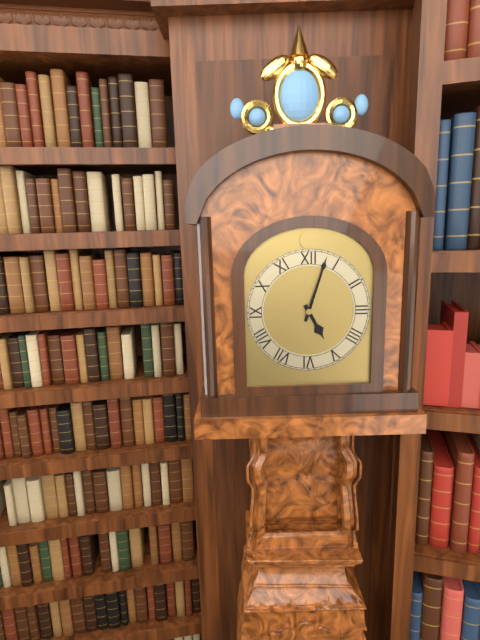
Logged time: 5 h 03 min
